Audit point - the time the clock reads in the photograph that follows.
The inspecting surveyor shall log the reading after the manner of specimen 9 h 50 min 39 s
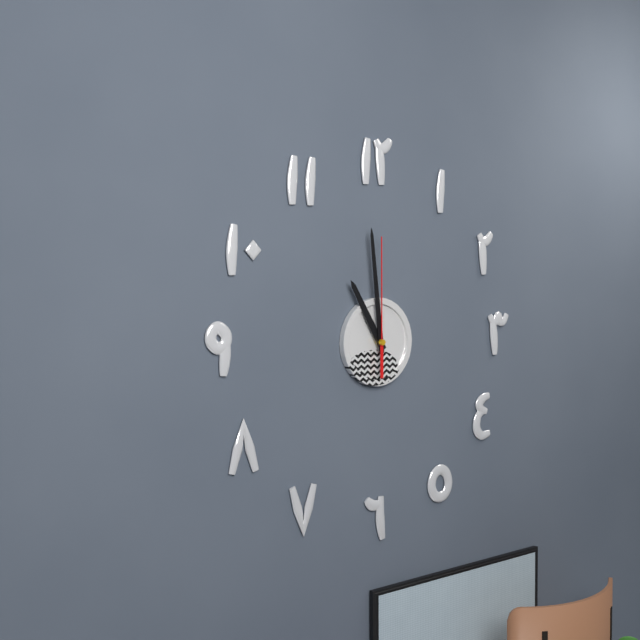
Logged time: 10 h 59 min 00 s
